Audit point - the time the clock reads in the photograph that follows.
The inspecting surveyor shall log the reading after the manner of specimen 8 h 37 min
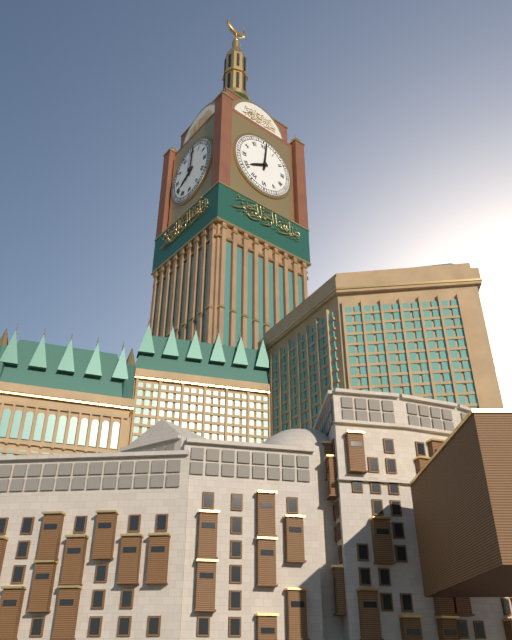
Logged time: 8 h 01 min
